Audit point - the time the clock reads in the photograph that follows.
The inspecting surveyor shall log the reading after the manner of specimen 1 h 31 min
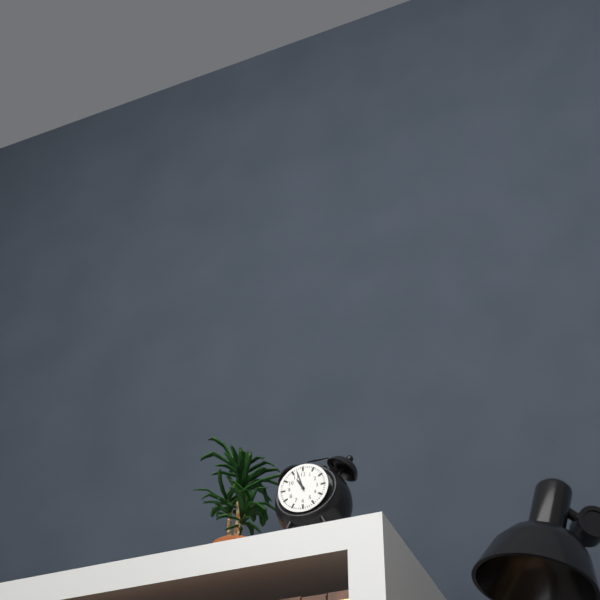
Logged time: 10 h 57 min
